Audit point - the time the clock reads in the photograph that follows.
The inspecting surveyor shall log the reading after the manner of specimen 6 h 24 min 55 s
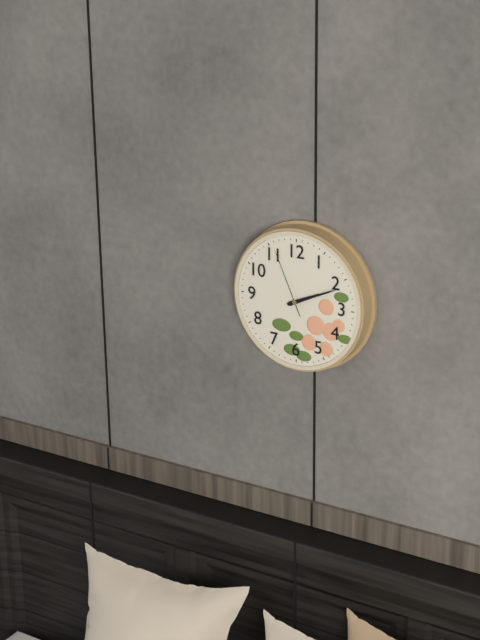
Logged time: 2 h 11 min 56 s
